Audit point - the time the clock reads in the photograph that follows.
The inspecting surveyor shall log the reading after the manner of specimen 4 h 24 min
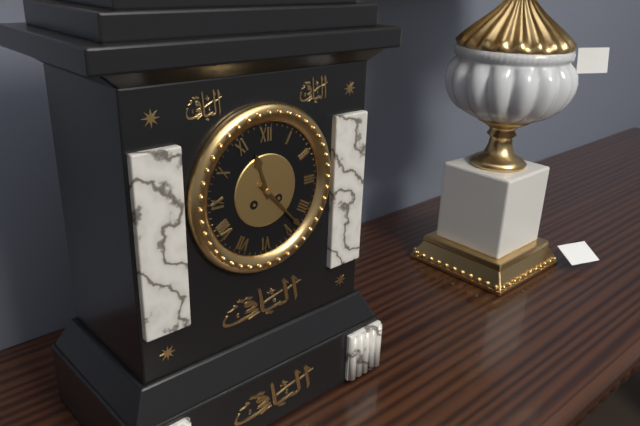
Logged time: 11 h 23 min
